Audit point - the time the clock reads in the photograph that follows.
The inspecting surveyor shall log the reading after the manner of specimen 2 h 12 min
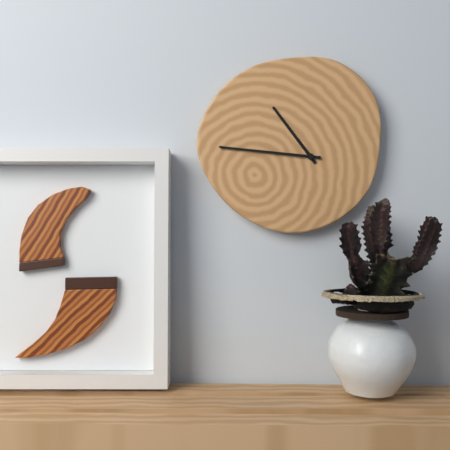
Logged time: 10 h 46 min
